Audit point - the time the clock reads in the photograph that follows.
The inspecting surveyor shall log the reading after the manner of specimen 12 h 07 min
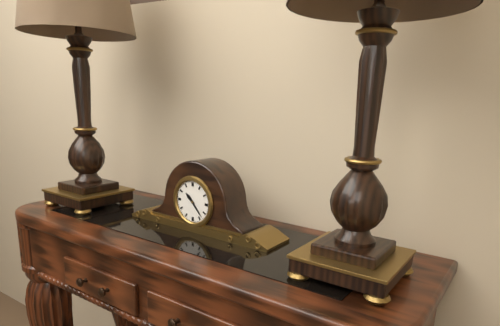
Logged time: 10 h 23 min
